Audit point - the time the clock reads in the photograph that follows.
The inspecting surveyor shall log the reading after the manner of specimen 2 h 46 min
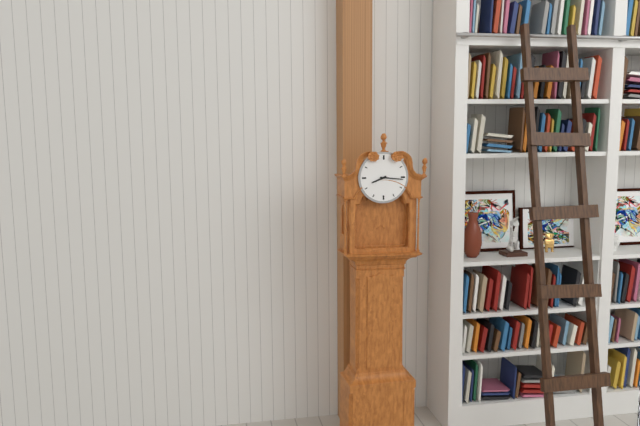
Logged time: 8 h 16 min
